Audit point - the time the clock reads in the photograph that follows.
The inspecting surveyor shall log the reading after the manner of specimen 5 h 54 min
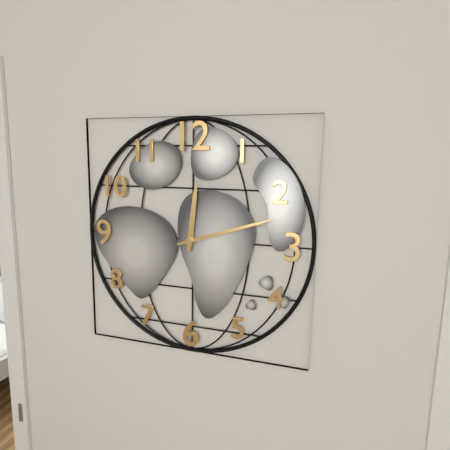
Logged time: 12 h 12 min
